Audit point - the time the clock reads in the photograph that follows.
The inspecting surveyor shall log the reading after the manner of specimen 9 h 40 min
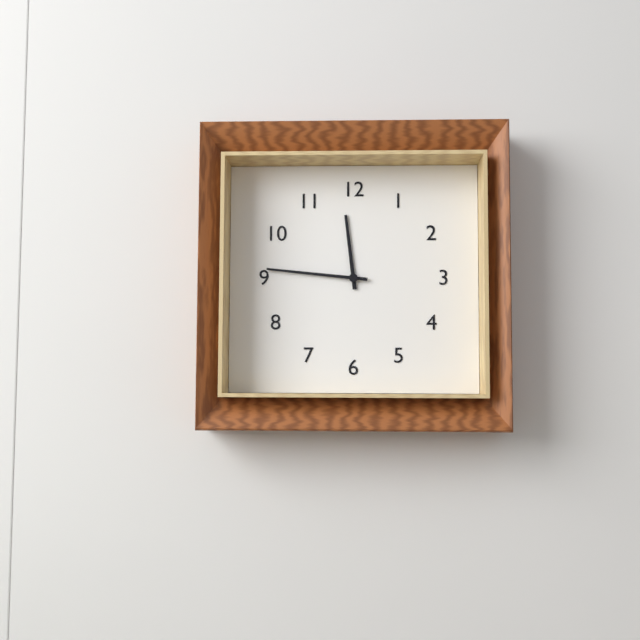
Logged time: 11 h 46 min
